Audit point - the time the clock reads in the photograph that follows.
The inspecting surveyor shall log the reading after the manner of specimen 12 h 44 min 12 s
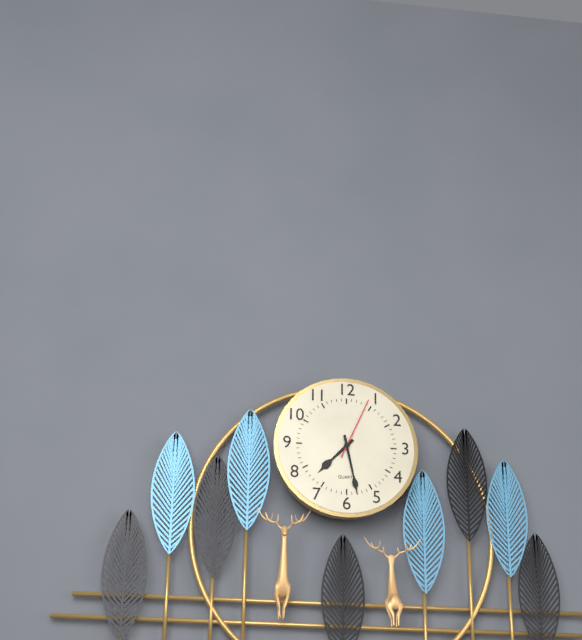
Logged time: 7 h 28 min 04 s
